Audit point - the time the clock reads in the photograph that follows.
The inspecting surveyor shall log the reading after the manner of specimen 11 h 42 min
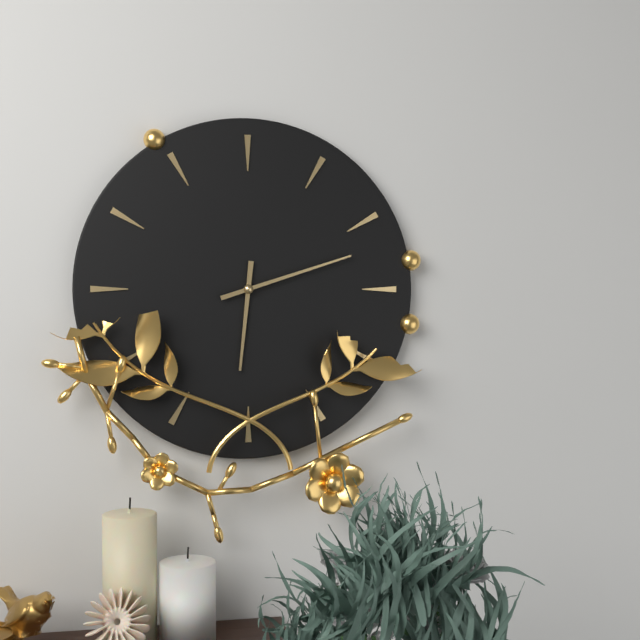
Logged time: 6 h 12 min
